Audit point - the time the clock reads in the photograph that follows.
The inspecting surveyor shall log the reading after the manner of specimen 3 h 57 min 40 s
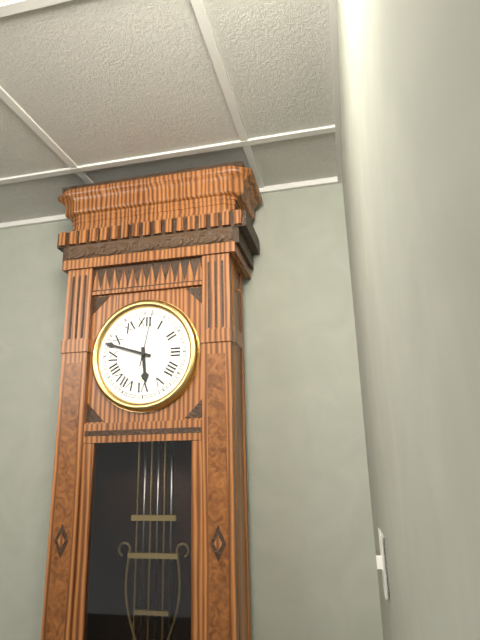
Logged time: 5 h 48 min 02 s
